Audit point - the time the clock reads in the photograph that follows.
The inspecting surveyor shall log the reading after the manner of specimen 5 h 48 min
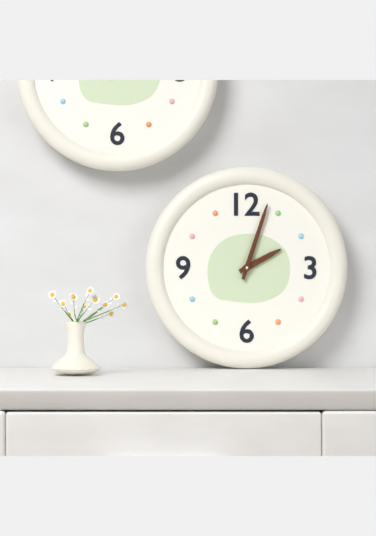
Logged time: 2 h 03 min
